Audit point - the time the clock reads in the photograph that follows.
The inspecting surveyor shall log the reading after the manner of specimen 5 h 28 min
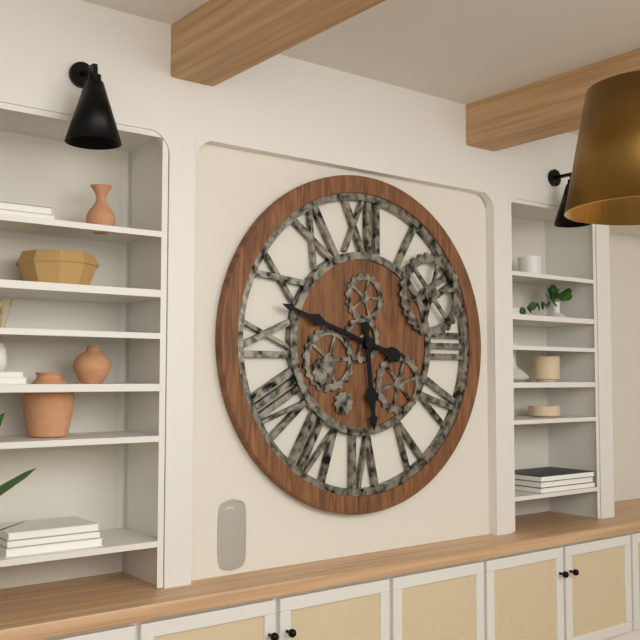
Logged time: 5 h 48 min
